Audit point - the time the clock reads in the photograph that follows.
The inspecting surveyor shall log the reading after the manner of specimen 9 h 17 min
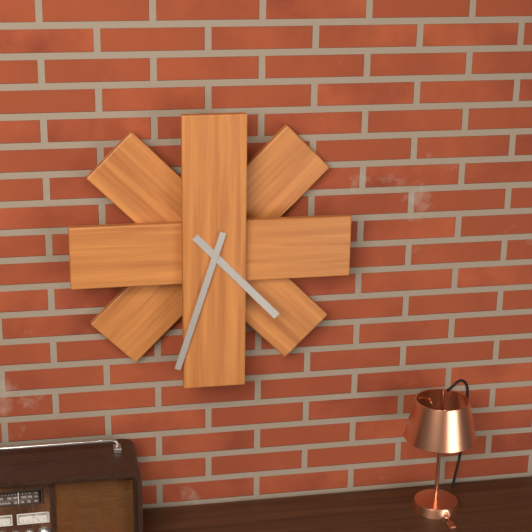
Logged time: 4 h 33 min
